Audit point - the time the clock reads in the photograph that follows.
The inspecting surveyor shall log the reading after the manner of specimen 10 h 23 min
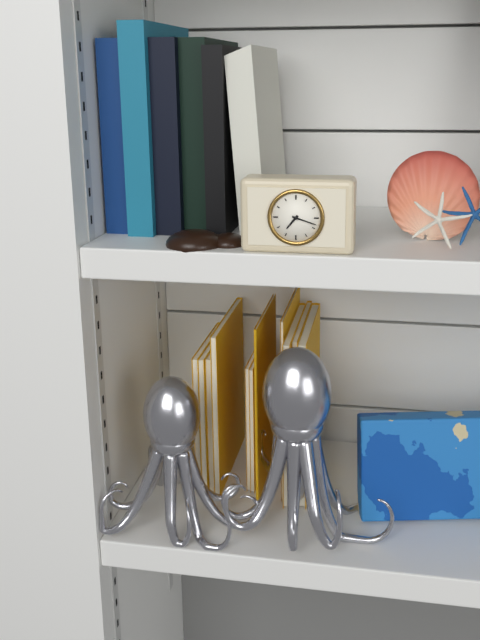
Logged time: 7 h 18 min
